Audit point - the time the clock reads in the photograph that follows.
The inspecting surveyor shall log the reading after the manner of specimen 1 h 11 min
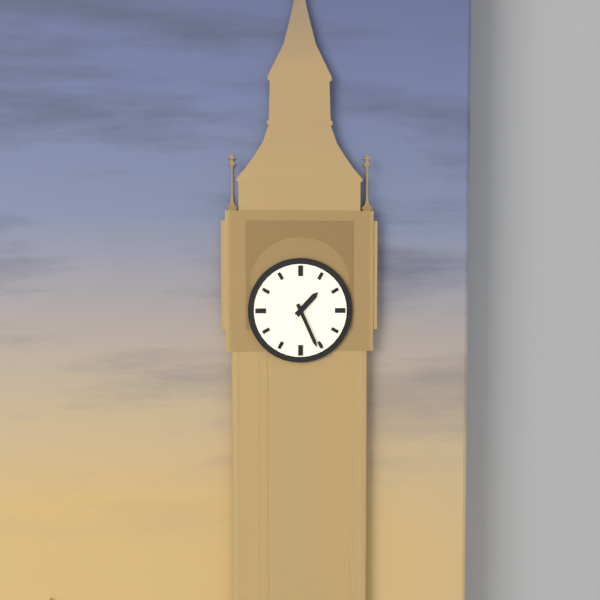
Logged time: 1 h 26 min
